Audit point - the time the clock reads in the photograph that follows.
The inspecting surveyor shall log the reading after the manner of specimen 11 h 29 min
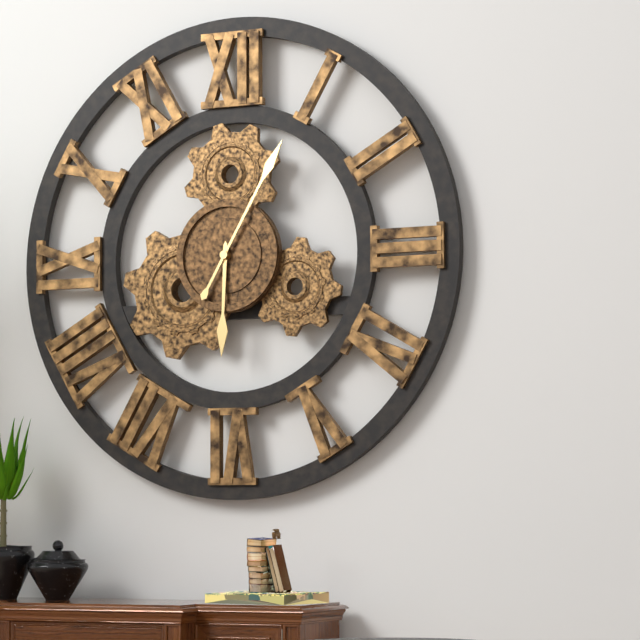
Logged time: 6 h 05 min
